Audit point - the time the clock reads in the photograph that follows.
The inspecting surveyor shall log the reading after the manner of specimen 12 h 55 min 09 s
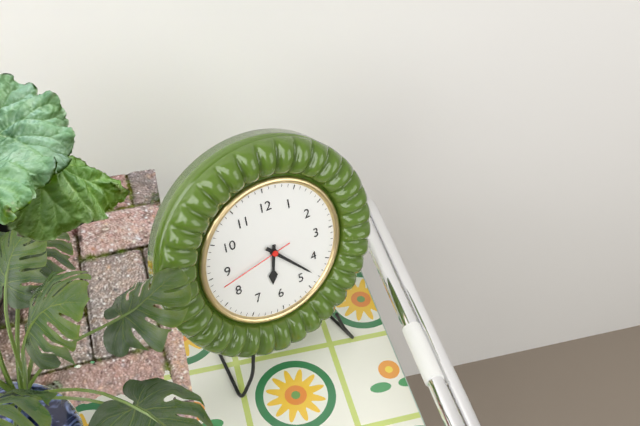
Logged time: 6 h 23 min 43 s
